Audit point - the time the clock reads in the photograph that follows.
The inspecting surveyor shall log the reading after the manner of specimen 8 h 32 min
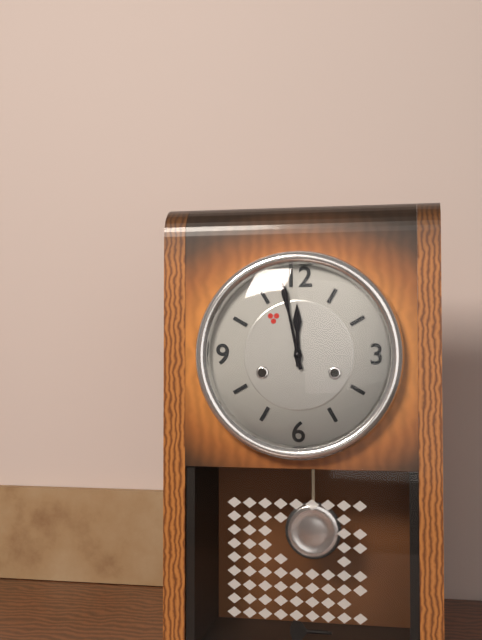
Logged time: 11 h 58 min
